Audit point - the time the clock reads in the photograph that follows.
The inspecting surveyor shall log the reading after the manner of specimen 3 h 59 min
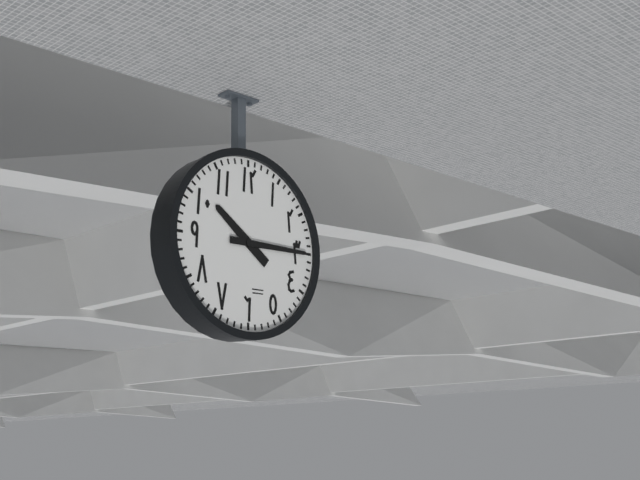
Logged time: 10 h 15 min
